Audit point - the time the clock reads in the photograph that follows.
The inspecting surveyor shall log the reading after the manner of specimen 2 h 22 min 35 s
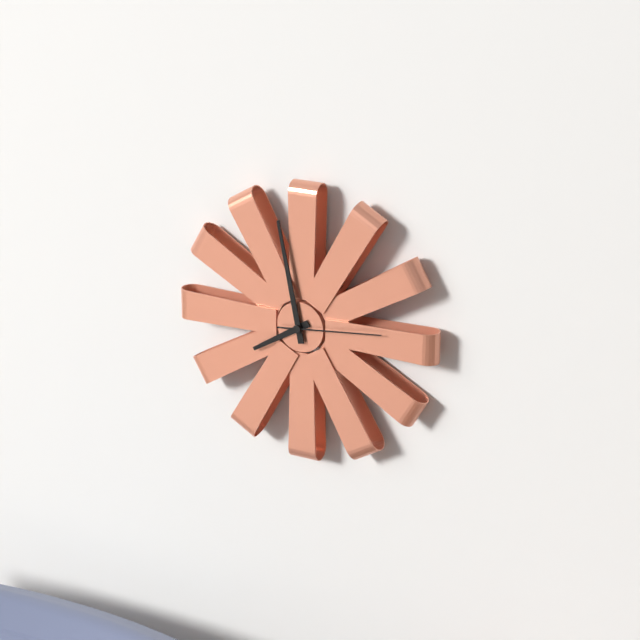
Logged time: 7 h 58 min 14 s
